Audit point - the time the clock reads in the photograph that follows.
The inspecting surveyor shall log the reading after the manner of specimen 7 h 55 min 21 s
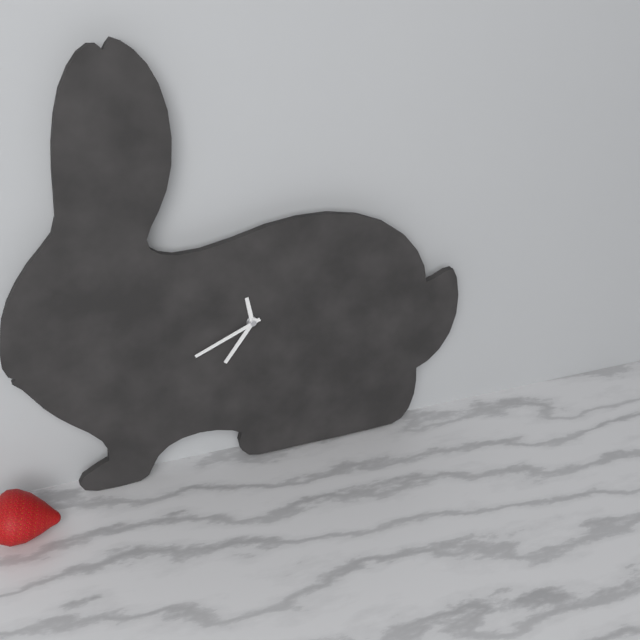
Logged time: 11 h 36 min 41 s
